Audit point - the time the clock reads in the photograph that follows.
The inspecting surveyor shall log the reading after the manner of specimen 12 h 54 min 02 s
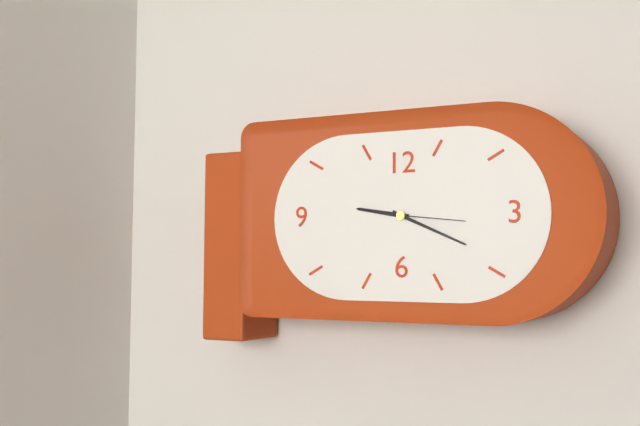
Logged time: 9 h 19 min 16 s
